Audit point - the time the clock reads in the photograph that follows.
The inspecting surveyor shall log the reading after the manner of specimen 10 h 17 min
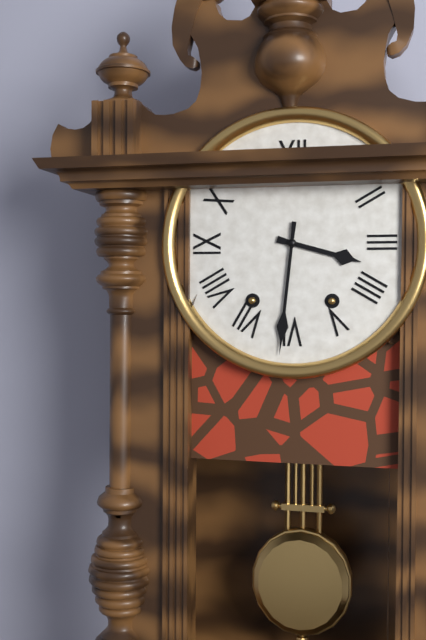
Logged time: 3 h 31 min
